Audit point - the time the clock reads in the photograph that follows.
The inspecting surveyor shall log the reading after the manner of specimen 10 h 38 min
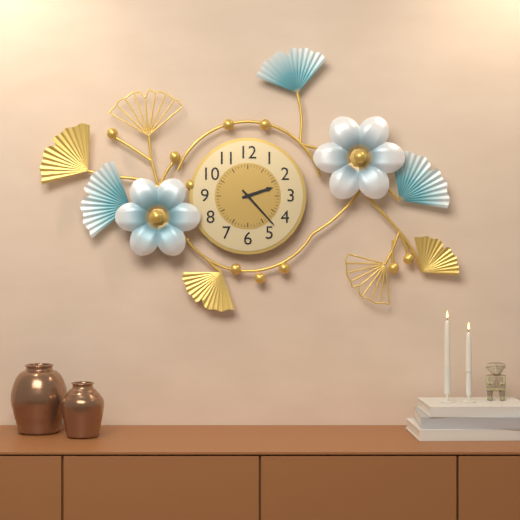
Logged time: 2 h 23 min
